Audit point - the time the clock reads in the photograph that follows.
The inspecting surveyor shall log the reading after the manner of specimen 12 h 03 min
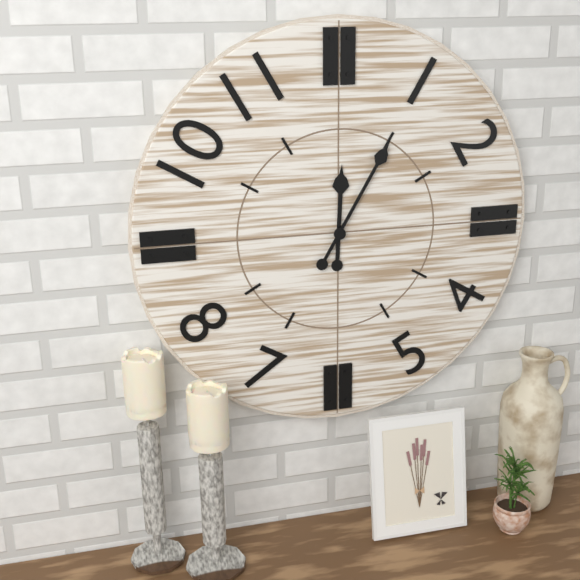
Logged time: 12 h 05 min
